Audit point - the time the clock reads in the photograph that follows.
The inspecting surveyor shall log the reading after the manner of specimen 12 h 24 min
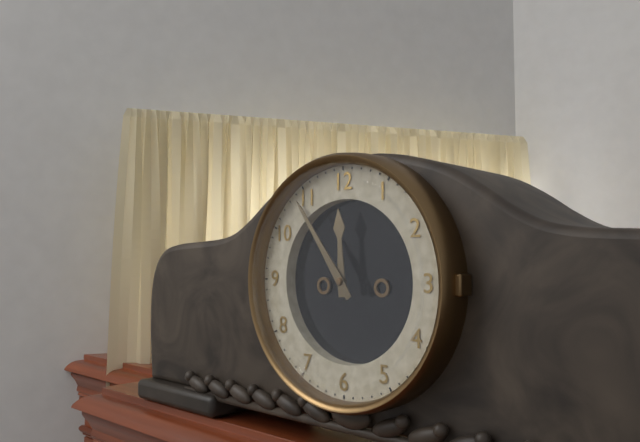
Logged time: 11 h 54 min
